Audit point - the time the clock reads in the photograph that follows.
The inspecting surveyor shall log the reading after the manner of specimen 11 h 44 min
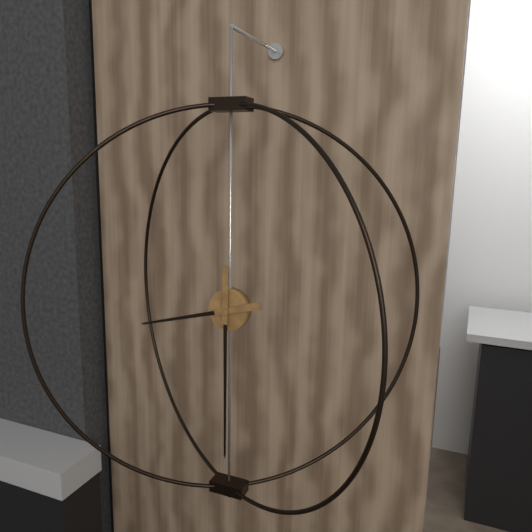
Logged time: 8 h 30 min
